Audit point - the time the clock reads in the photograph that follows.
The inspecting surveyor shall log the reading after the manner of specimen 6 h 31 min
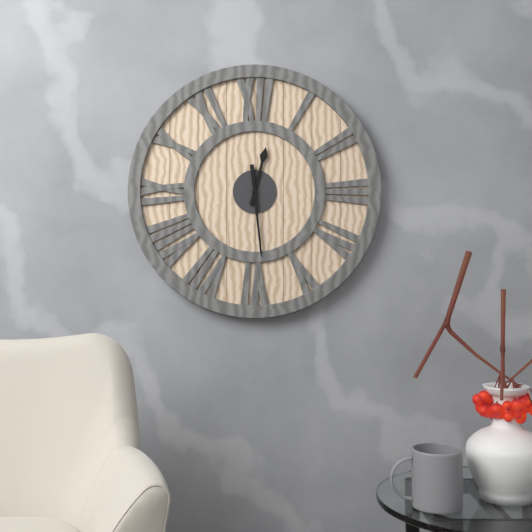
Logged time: 12 h 29 min
